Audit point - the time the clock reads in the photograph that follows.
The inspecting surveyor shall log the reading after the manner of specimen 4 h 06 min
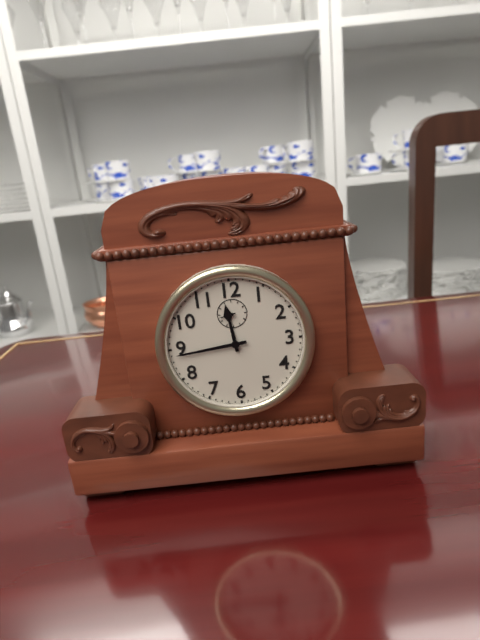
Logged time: 11 h 44 min
